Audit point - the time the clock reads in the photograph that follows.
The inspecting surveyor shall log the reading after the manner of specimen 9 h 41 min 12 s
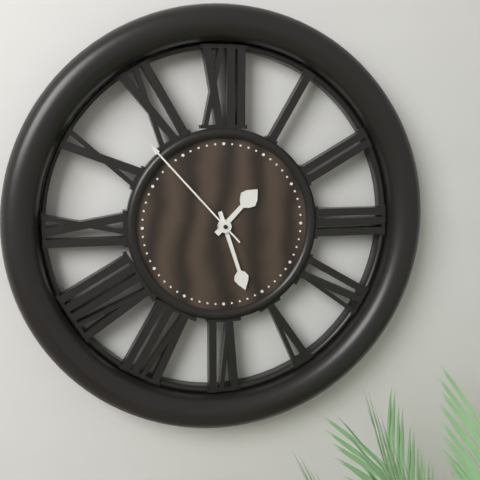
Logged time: 1 h 27 min 53 s
